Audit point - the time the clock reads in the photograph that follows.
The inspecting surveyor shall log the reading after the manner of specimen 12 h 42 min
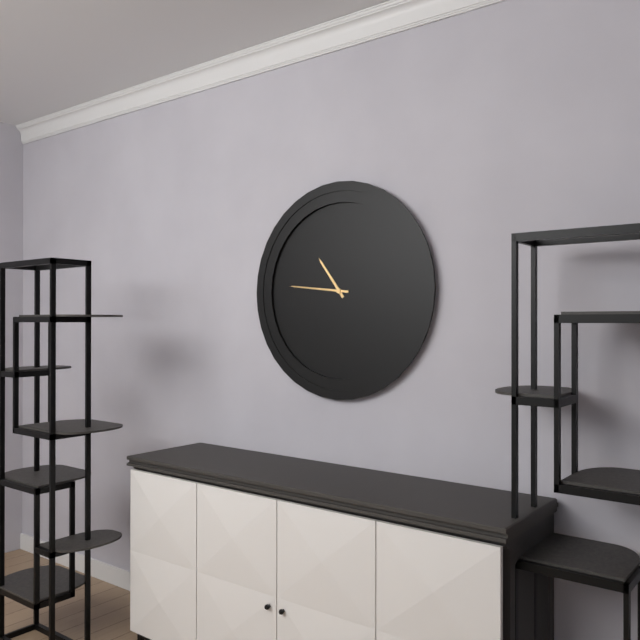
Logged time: 10 h 46 min
